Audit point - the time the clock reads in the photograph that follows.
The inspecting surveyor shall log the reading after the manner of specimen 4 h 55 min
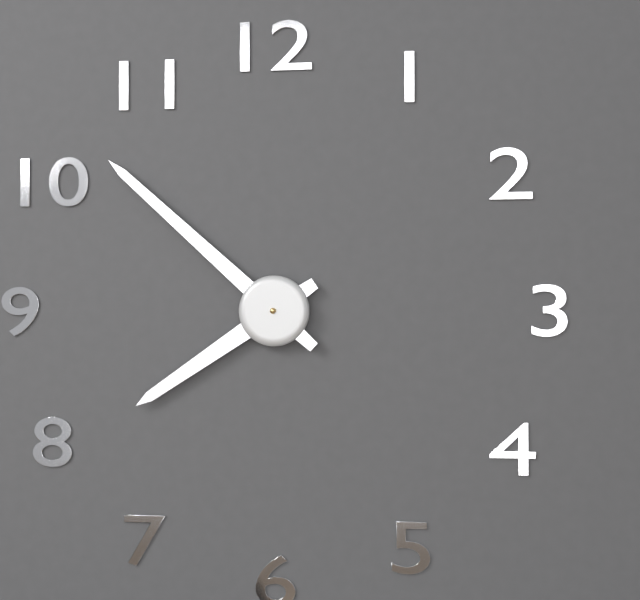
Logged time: 7 h 52 min
